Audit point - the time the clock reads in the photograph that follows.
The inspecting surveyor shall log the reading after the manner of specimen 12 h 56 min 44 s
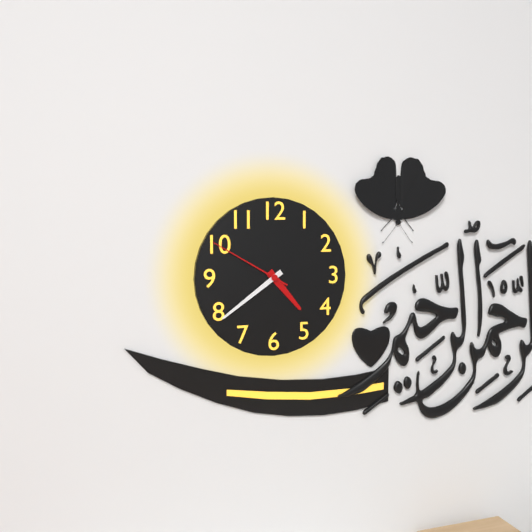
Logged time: 4 h 39 min 50 s
